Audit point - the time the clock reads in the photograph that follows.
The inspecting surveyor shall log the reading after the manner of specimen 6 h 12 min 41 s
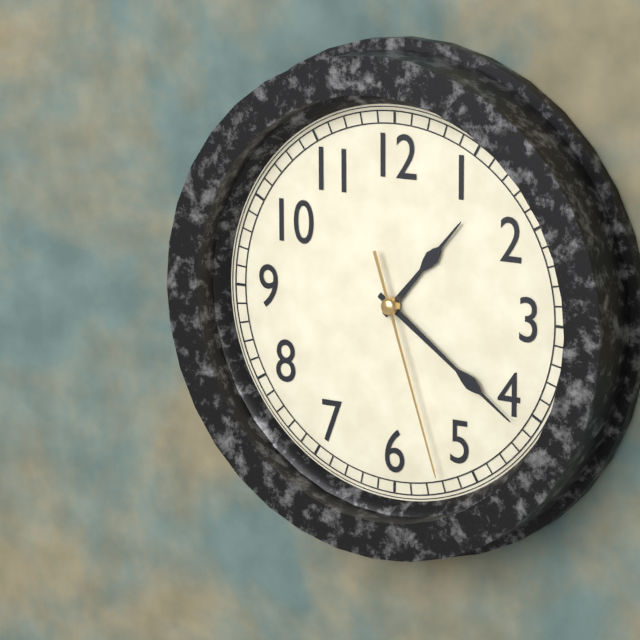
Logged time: 1 h 21 min 27 s
